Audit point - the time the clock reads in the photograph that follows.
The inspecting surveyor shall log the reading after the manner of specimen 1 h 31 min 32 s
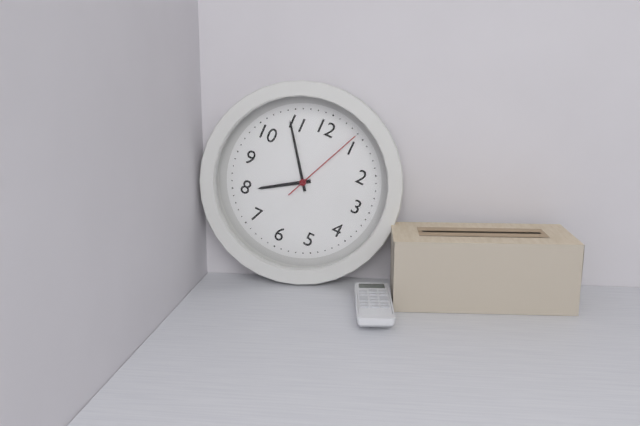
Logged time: 7 h 54 min 04 s
